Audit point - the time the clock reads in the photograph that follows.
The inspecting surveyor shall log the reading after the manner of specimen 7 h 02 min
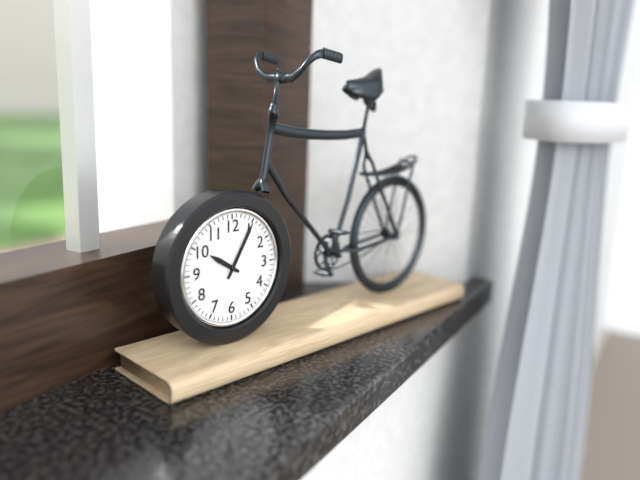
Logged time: 10 h 05 min
